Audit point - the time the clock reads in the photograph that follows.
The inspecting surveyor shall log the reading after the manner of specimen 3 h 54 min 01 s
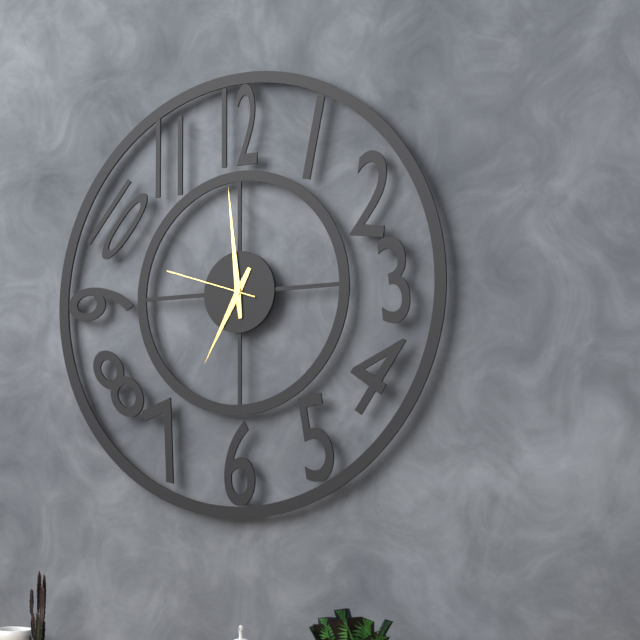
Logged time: 6 h 59 min 48 s
